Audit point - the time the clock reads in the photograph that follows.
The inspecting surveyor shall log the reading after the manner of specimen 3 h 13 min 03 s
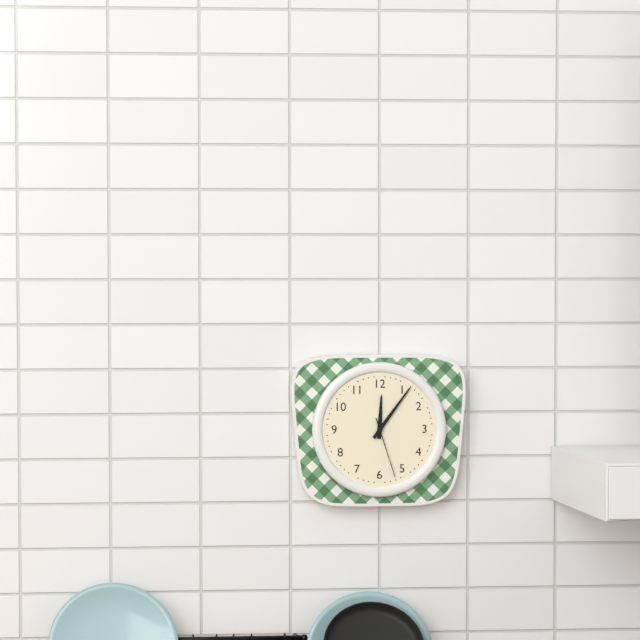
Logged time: 12 h 06 min 27 s
